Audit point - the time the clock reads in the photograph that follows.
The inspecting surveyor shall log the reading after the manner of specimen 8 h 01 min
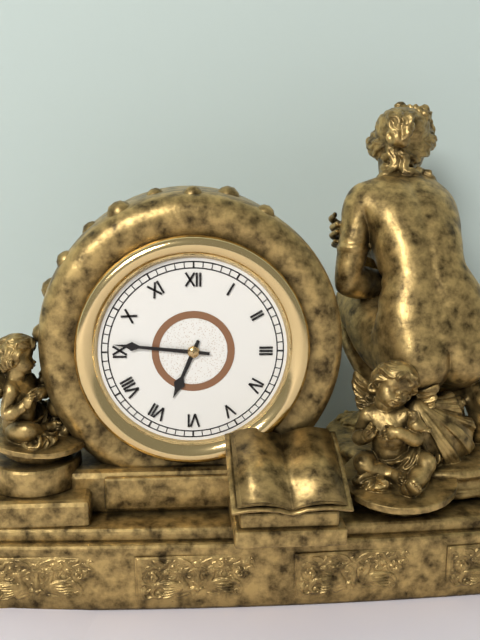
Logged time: 6 h 46 min
